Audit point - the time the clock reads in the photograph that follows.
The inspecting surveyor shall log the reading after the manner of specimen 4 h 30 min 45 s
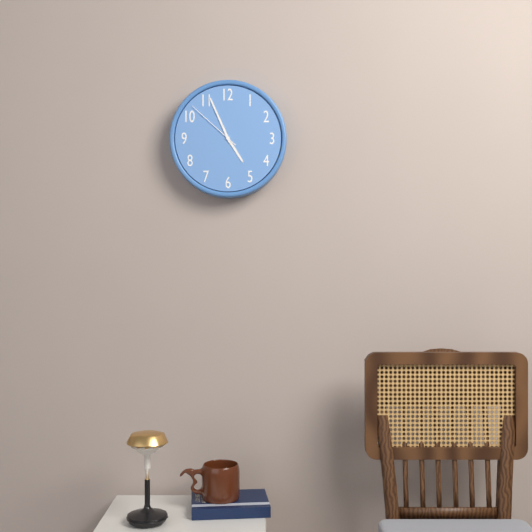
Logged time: 4 h 56 min 52 s
